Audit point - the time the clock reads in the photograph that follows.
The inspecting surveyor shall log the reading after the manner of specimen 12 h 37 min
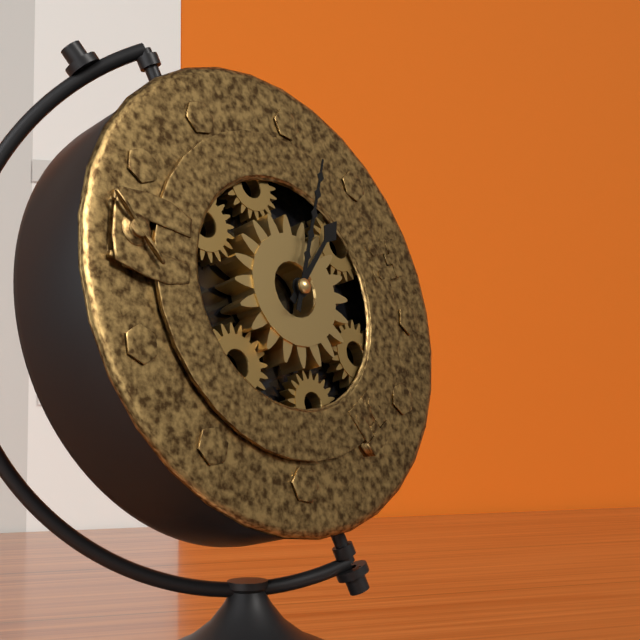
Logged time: 1 h 02 min
